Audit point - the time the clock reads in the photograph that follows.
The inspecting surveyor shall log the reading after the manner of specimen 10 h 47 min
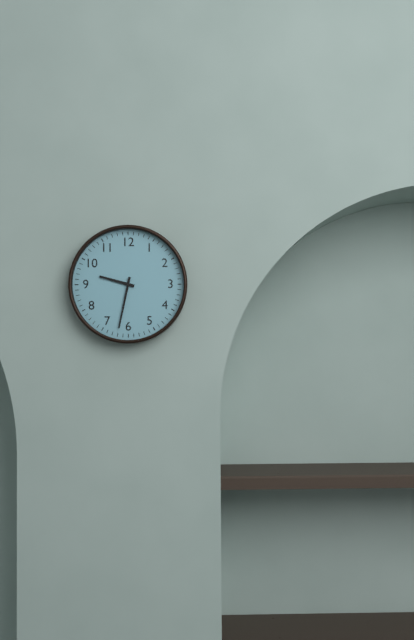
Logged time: 9 h 32 min
